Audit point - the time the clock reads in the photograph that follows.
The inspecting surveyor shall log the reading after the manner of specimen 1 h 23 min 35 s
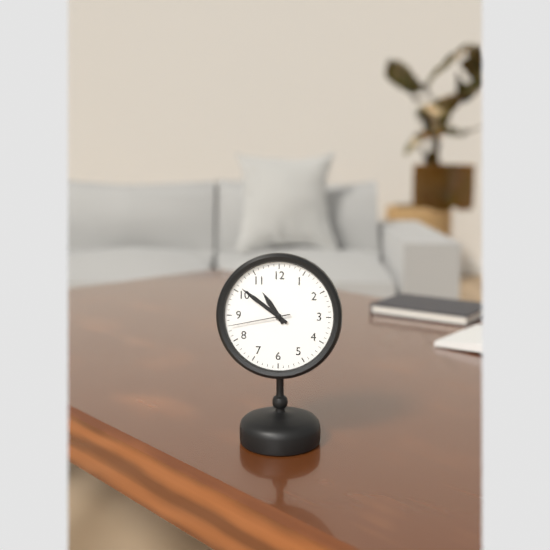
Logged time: 10 h 51 min 43 s
